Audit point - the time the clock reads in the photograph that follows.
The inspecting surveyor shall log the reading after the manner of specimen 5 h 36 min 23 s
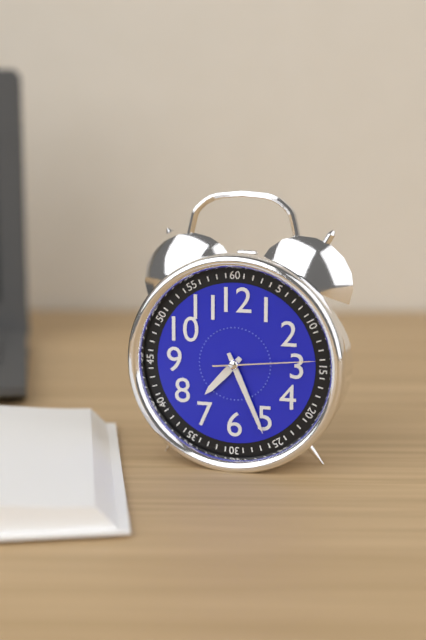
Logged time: 7 h 26 min 14 s
